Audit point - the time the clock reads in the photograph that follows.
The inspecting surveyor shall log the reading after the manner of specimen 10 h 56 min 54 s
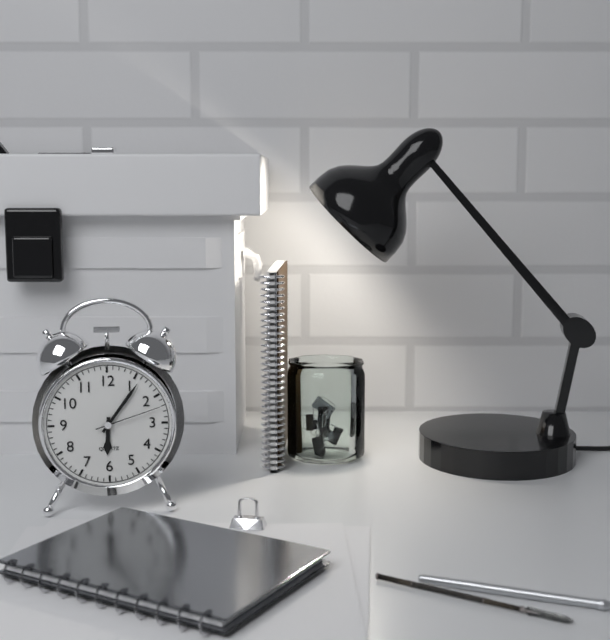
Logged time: 6 h 06 min 12 s
